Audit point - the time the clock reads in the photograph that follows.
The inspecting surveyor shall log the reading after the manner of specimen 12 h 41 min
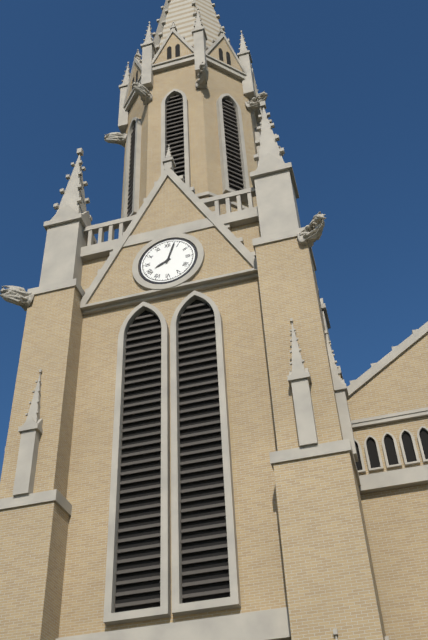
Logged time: 8 h 03 min
